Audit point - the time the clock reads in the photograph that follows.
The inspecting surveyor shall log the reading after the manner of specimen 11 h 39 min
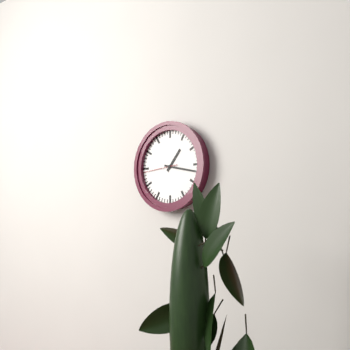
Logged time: 1 h 17 min
